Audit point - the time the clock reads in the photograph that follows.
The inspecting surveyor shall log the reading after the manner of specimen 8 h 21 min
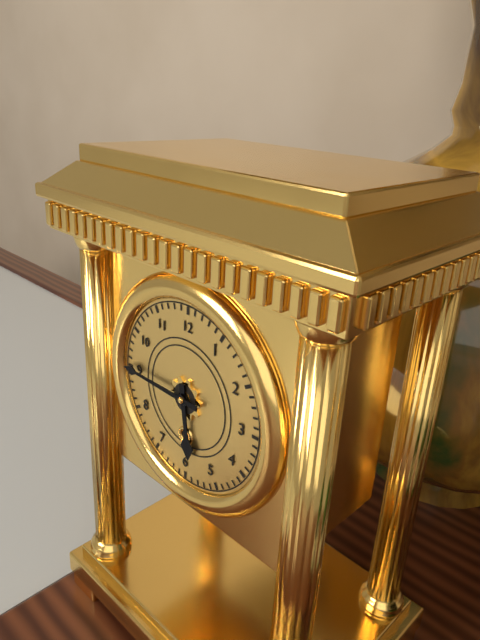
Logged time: 5 h 45 min
